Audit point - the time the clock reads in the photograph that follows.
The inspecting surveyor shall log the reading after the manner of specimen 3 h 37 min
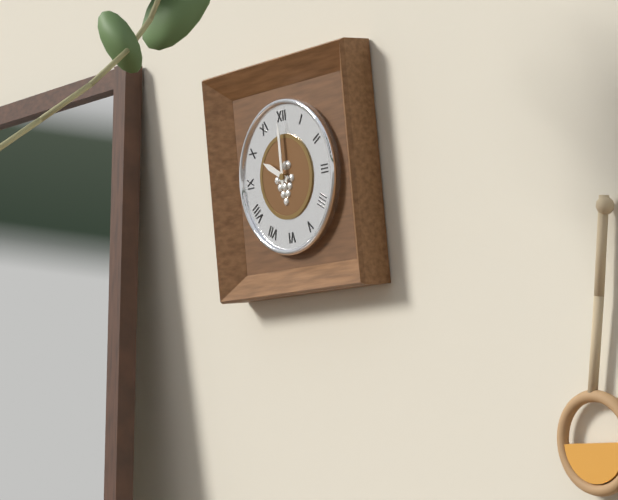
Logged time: 10 h 00 min
